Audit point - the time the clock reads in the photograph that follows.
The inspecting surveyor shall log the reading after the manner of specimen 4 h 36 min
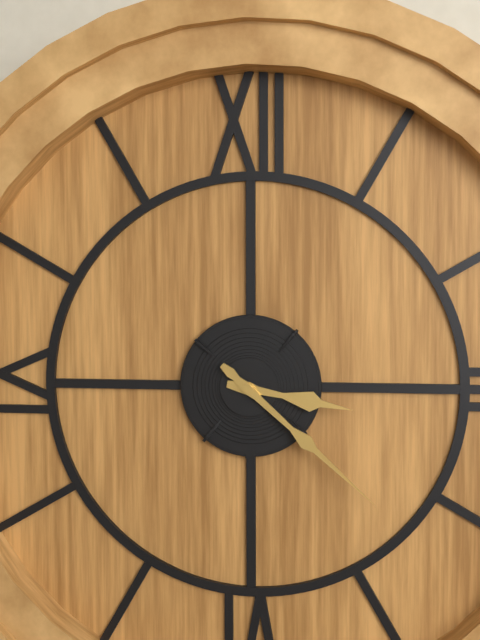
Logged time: 3 h 22 min
